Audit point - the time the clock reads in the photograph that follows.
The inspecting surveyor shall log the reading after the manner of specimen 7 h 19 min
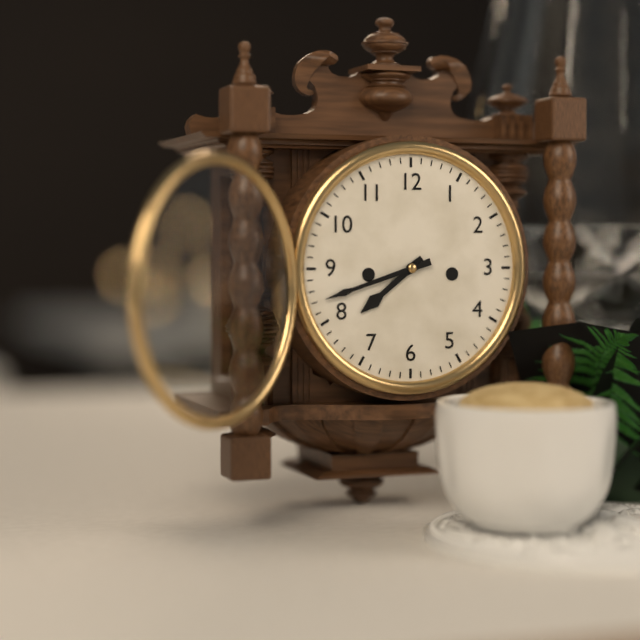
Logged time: 7 h 42 min
